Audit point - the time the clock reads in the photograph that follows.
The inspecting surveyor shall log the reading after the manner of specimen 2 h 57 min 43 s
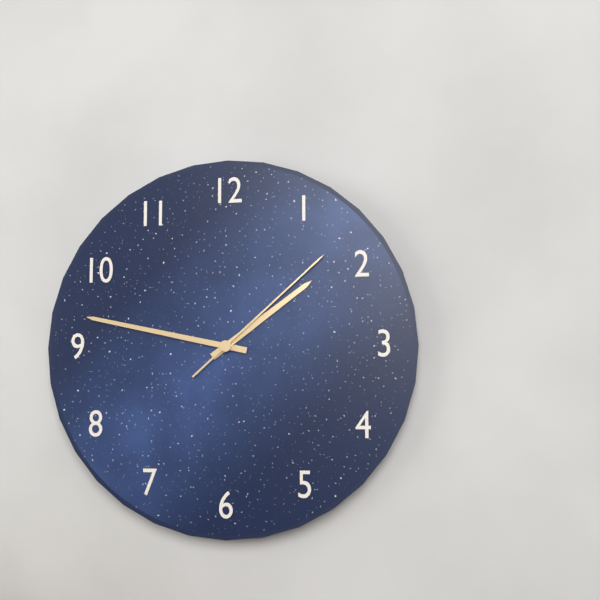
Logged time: 1 h 47 min 08 s
